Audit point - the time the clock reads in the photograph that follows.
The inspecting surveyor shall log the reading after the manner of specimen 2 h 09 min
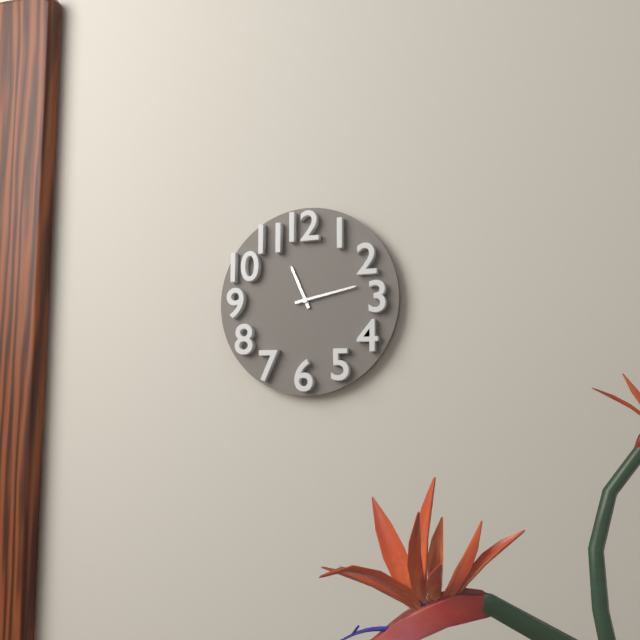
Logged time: 11 h 13 min
